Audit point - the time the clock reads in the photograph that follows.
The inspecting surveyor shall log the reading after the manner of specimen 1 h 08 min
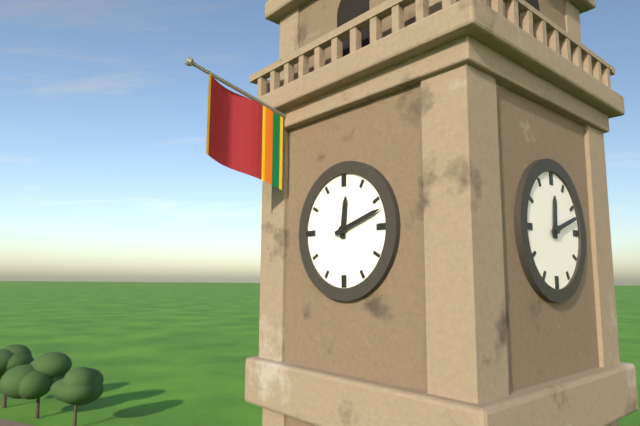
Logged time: 12 h 12 min
